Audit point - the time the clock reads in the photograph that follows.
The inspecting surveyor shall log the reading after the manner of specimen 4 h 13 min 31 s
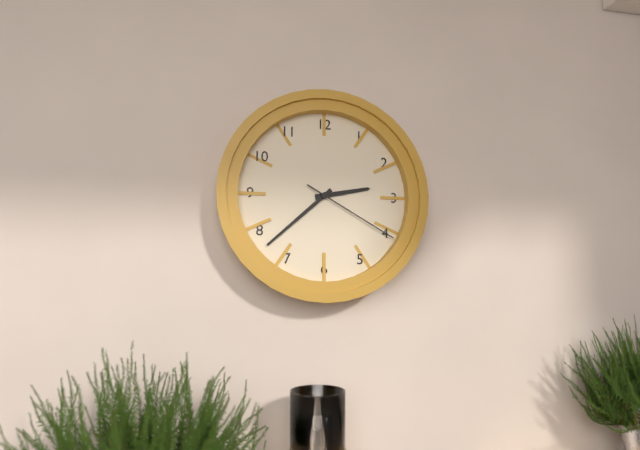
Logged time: 2 h 38 min 20 s
